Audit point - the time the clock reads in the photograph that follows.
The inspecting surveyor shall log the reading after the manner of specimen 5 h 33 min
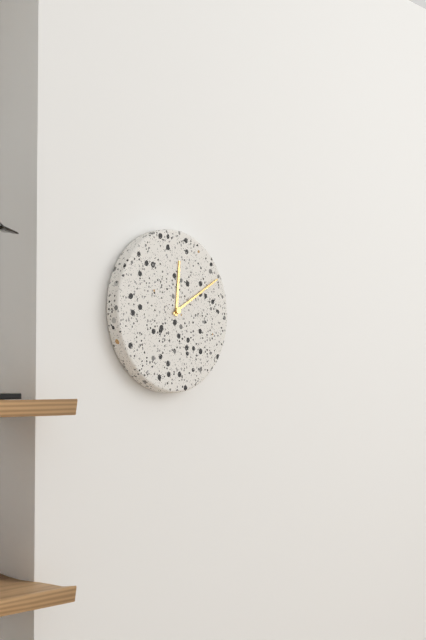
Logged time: 12 h 10 min
